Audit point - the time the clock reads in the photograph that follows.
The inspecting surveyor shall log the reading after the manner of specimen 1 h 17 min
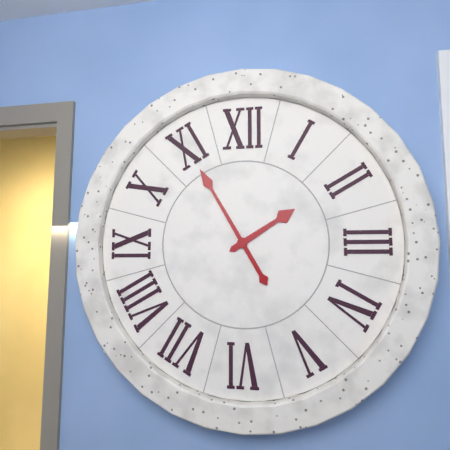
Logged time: 1 h 55 min
